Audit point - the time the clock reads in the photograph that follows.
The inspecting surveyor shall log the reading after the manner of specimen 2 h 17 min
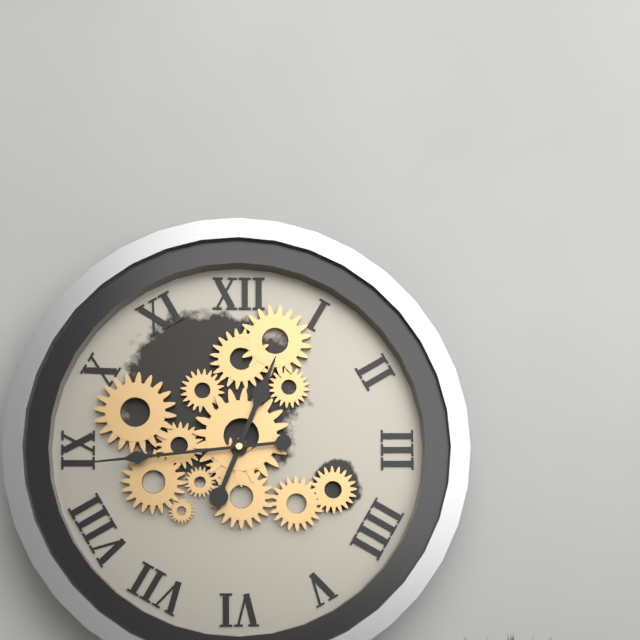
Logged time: 12 h 44 min
